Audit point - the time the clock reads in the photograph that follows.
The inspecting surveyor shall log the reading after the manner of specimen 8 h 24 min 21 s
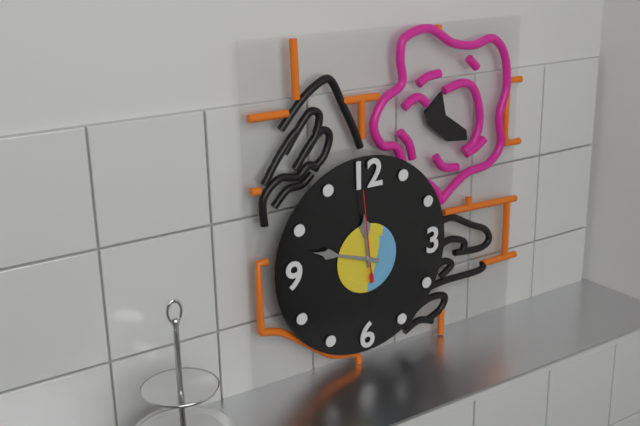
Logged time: 11 h 48 min 59 s
